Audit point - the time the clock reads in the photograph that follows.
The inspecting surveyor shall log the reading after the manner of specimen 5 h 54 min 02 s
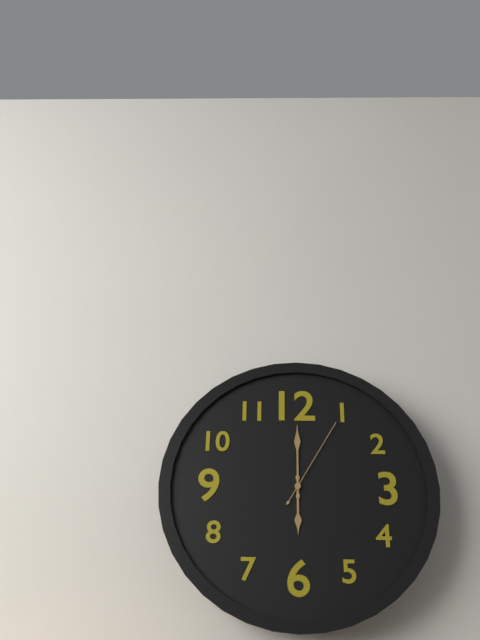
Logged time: 6 h 00 min 05 s
